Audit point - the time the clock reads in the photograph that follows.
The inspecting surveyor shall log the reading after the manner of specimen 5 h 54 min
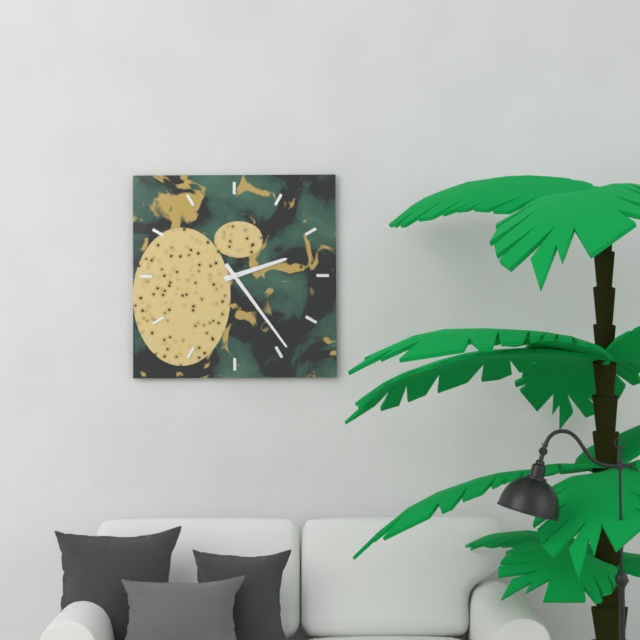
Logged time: 2 h 24 min
